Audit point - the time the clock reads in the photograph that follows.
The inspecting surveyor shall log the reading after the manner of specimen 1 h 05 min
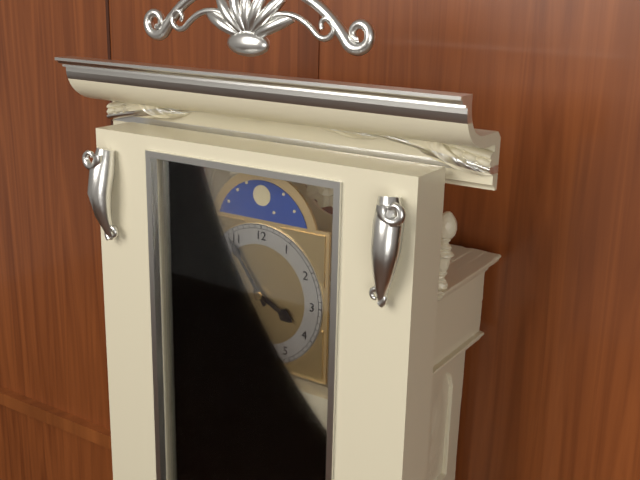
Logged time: 3 h 54 min
